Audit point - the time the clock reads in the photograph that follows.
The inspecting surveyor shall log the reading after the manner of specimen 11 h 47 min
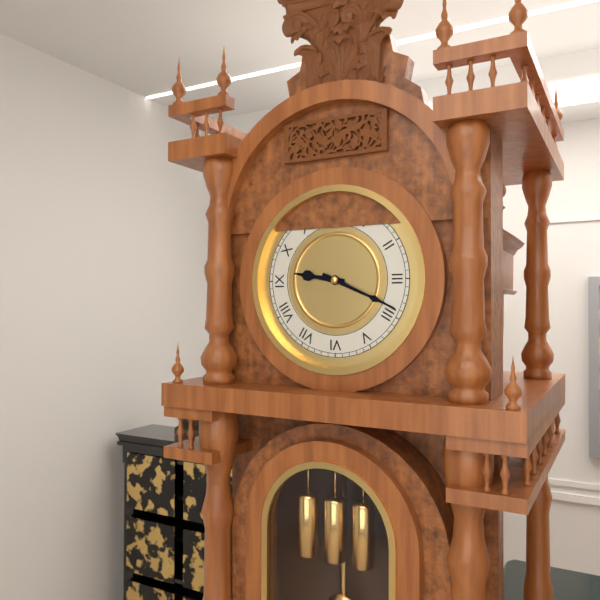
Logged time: 9 h 19 min
